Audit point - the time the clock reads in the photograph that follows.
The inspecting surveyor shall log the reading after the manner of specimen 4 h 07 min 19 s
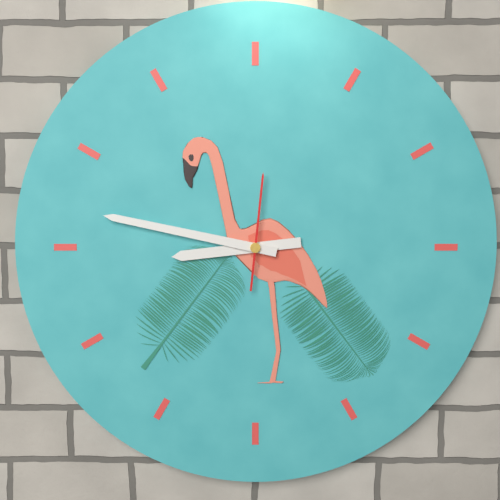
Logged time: 8 h 47 min 01 s
